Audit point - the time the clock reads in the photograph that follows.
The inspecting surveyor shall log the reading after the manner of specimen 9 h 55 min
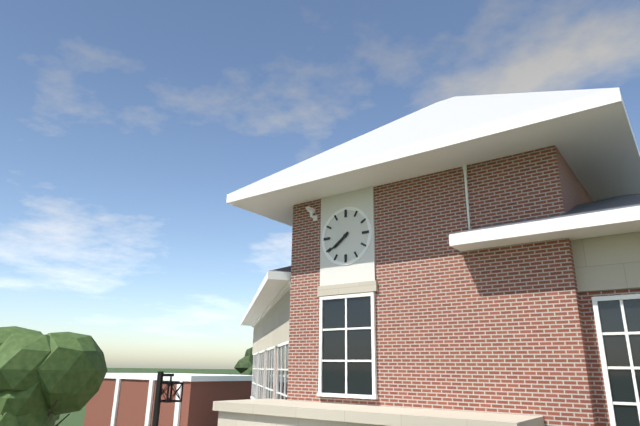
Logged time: 7 h 39 min
